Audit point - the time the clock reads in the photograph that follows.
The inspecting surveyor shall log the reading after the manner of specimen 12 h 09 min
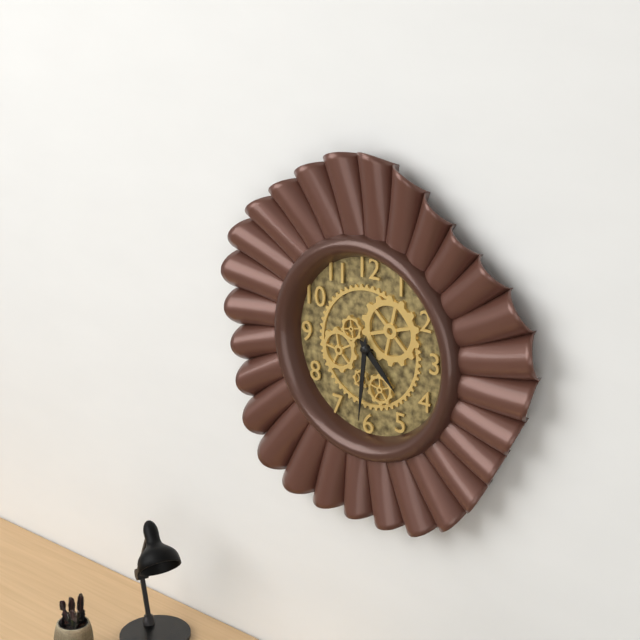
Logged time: 4 h 31 min
